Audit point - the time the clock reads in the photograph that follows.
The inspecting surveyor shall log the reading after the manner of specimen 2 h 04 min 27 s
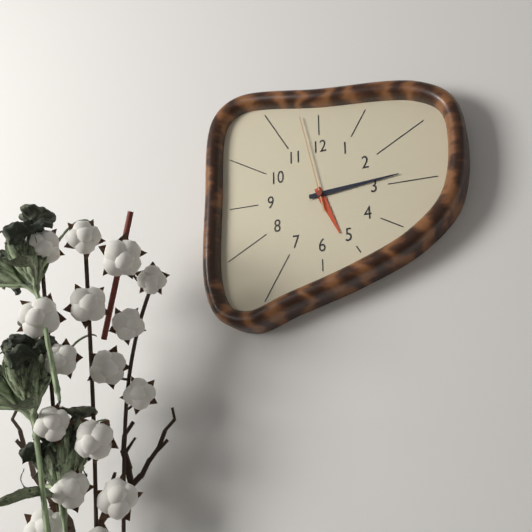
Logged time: 5 h 14 min 58 s
